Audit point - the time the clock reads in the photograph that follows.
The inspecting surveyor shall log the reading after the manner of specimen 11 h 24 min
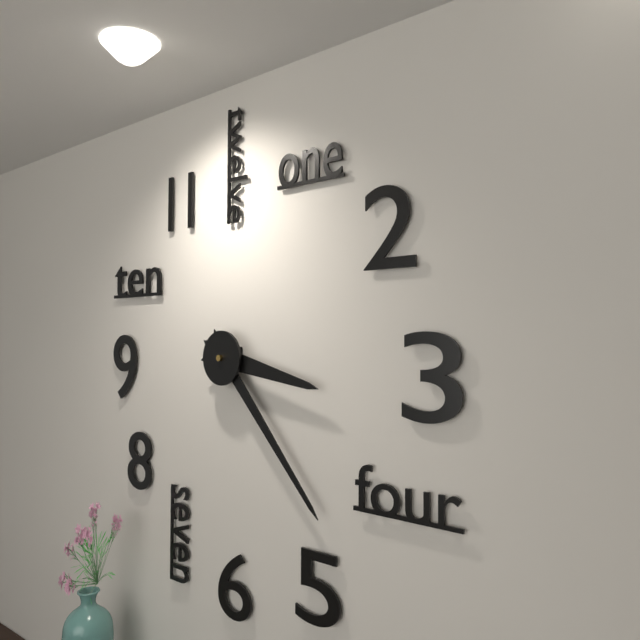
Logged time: 3 h 23 min
